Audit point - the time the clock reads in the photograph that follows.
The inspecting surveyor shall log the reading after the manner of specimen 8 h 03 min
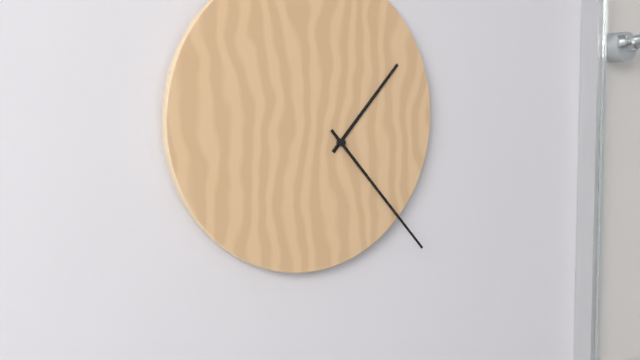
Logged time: 1 h 23 min
